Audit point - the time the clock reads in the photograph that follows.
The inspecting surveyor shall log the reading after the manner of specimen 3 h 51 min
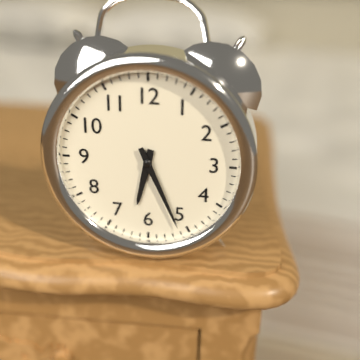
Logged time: 6 h 26 min
